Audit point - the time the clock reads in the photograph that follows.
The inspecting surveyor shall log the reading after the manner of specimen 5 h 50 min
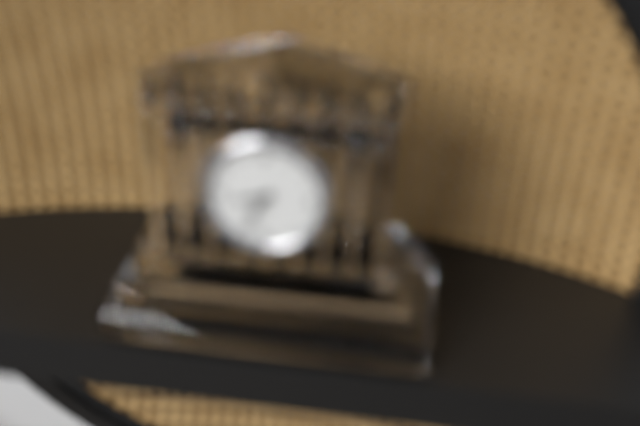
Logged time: 8 h 35 min
